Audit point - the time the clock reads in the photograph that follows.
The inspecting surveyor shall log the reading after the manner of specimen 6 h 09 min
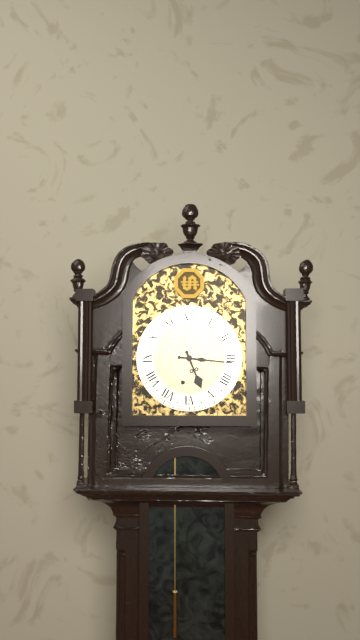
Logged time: 5 h 16 min
